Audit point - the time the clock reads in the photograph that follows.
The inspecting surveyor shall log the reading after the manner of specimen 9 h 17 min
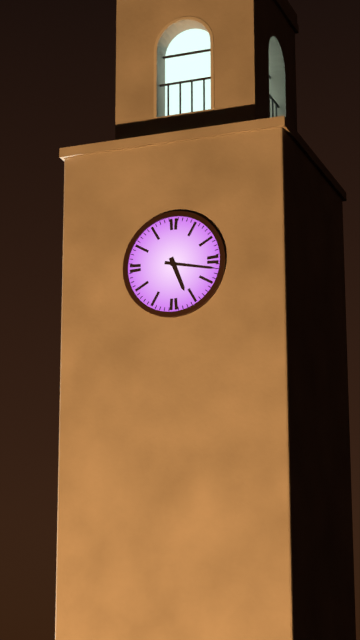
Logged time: 5 h 17 min
